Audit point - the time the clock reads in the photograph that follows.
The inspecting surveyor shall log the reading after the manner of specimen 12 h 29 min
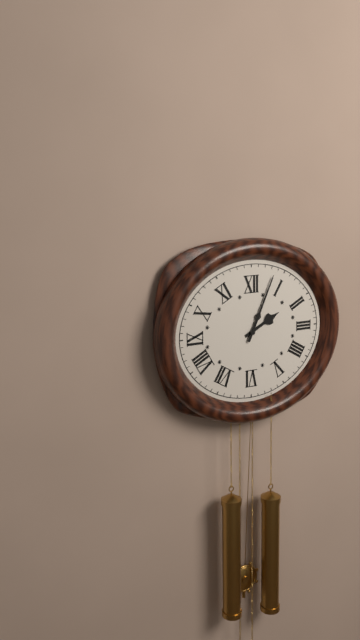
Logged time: 2 h 04 min
